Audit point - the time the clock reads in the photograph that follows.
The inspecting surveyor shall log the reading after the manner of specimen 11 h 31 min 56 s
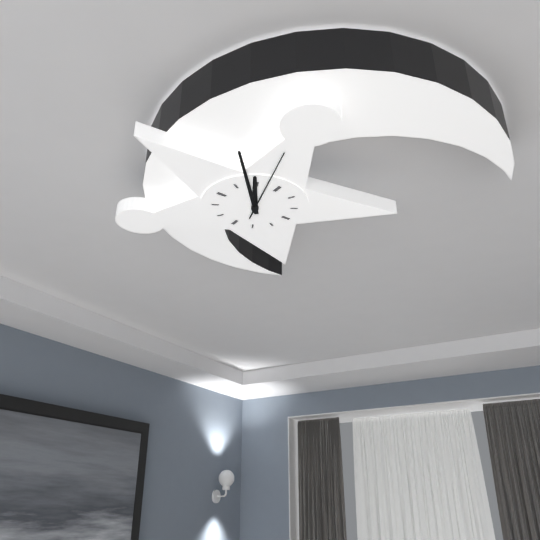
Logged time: 10 h 53 min 57 s
